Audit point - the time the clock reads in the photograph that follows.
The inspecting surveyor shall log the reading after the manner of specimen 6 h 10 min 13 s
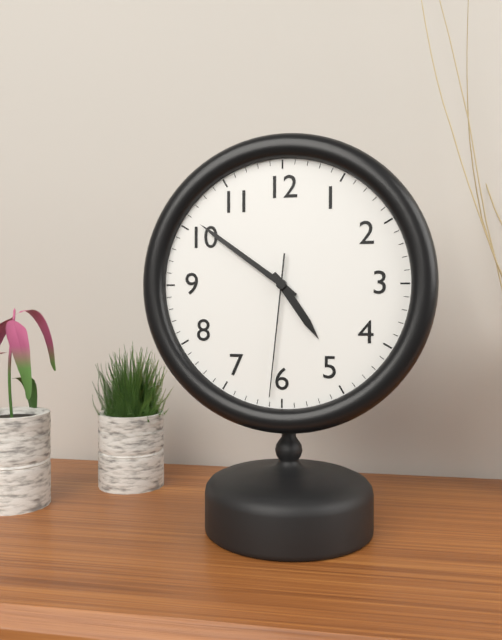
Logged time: 4 h 51 min 31 s
